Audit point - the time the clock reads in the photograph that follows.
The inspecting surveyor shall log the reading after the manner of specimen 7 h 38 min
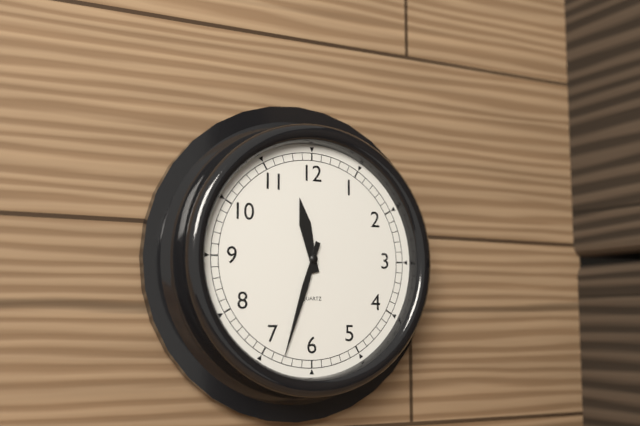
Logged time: 11 h 33 min
